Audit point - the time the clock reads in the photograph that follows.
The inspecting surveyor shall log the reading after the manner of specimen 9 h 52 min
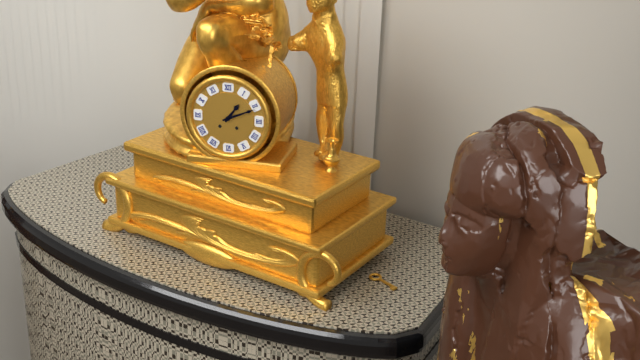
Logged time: 1 h 11 min
